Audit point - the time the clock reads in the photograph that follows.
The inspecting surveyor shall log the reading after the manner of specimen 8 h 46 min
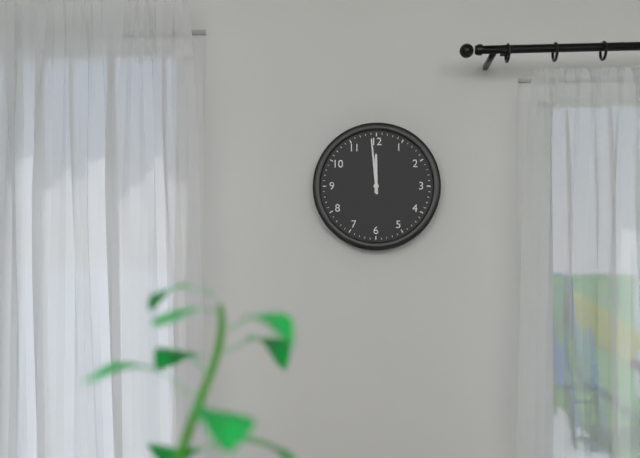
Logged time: 11 h 59 min
